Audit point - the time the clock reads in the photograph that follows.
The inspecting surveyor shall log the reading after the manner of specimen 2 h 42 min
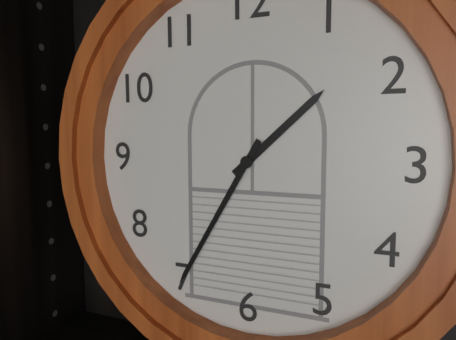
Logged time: 1 h 35 min
